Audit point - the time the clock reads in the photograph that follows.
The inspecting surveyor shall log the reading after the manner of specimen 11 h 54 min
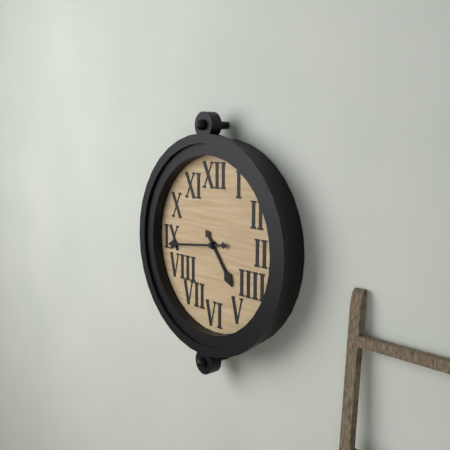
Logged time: 4 h 44 min
